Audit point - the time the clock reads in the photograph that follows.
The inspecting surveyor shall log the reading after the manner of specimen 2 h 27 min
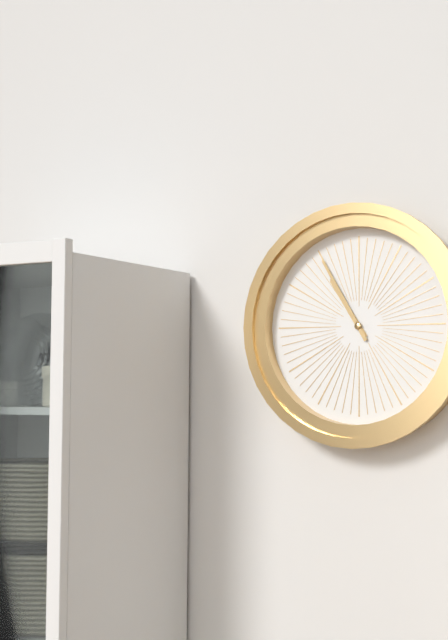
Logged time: 10 h 55 min
